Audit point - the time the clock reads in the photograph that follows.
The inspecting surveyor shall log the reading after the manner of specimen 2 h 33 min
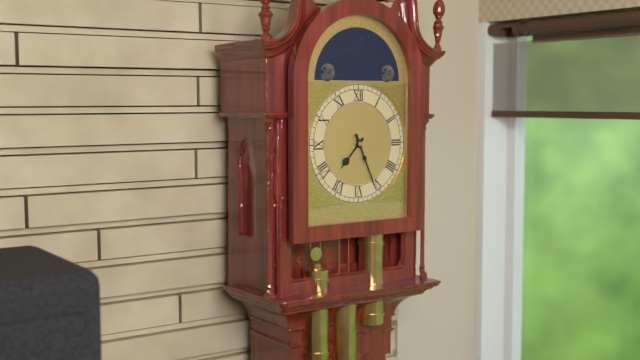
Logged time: 7 h 26 min
